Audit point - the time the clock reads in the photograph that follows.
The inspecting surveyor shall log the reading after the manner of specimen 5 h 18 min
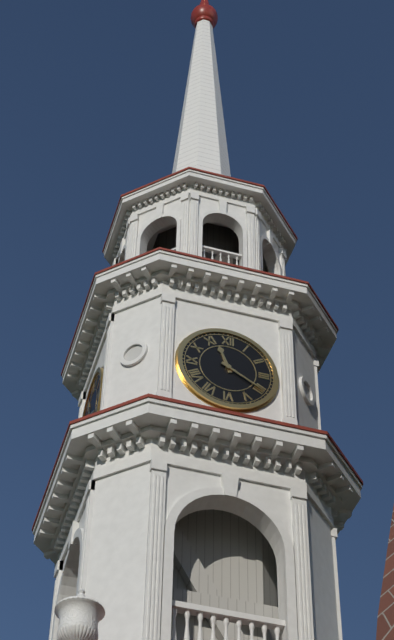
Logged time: 11 h 20 min
